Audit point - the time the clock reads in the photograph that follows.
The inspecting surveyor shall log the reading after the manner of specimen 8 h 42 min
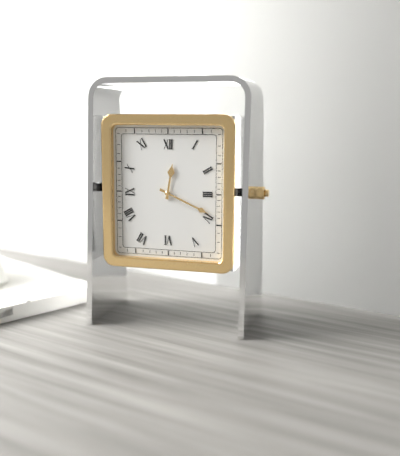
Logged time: 12 h 19 min
